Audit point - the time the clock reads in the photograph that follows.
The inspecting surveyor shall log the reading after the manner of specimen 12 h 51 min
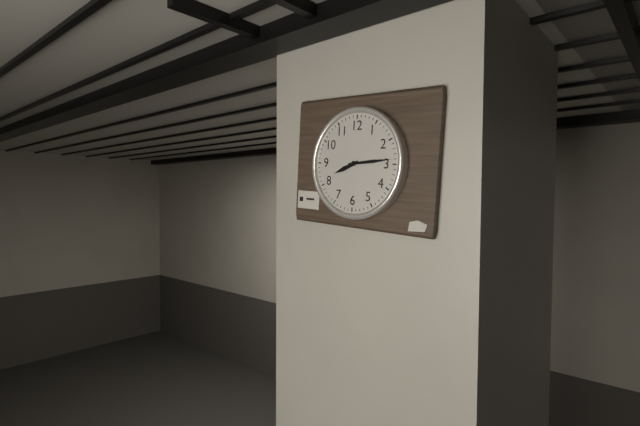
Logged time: 8 h 14 min
